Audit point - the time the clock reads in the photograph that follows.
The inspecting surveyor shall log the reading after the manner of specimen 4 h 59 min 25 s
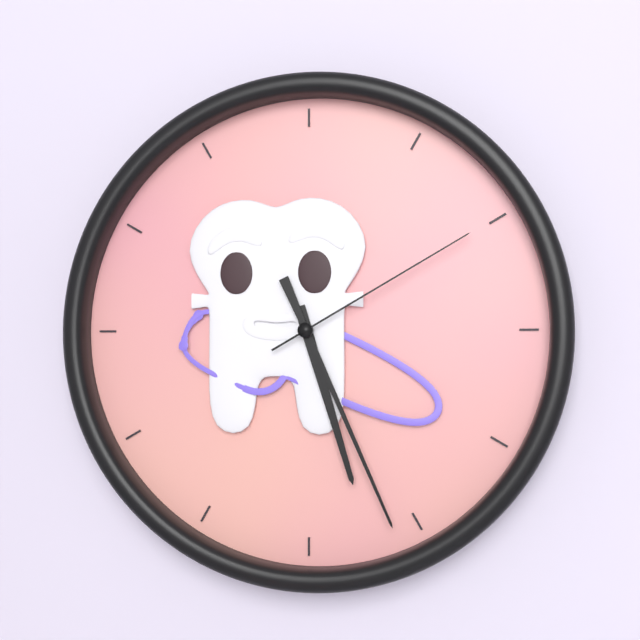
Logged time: 5 h 26 min 10 s
